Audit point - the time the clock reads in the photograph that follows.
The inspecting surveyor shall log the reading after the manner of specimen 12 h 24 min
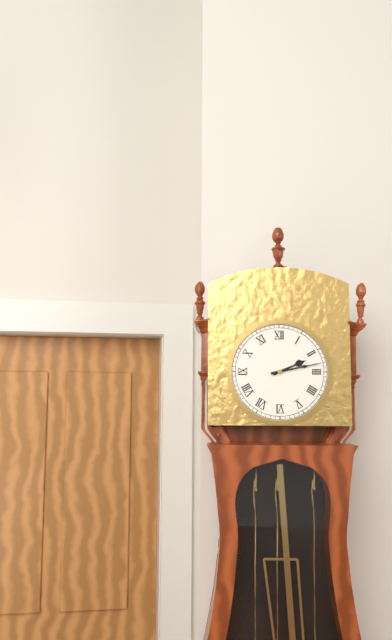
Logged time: 2 h 13 min
